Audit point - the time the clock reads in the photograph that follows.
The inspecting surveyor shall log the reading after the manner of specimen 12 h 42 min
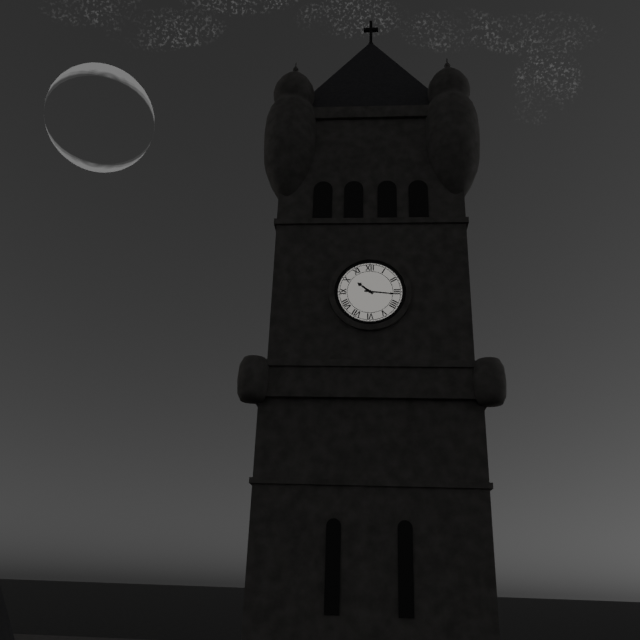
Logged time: 10 h 16 min
